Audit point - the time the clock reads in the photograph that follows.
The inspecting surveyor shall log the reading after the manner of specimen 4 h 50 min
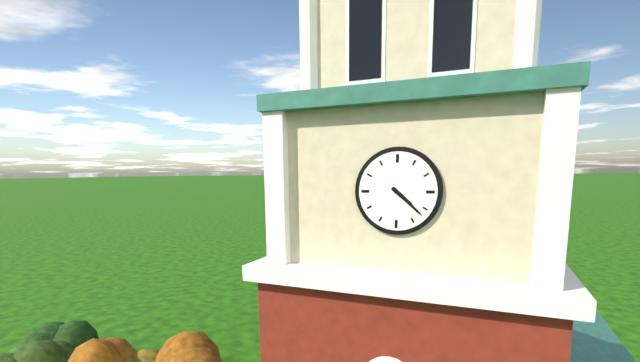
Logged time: 4 h 22 min
